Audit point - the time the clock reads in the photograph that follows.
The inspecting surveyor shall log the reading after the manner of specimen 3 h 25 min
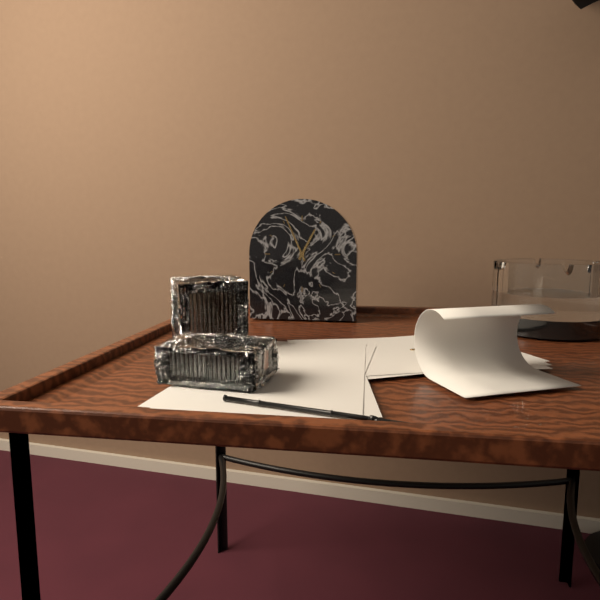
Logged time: 12 h 56 min
